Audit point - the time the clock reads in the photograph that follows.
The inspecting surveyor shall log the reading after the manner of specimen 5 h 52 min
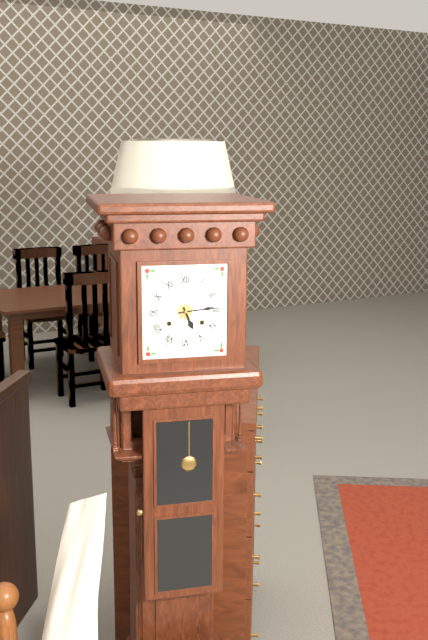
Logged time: 5 h 14 min
